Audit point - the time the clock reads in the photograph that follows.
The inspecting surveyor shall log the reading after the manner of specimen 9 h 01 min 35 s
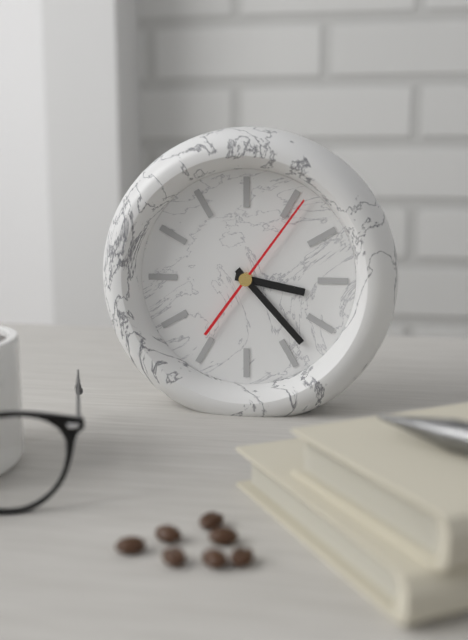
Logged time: 3 h 23 min 06 s
